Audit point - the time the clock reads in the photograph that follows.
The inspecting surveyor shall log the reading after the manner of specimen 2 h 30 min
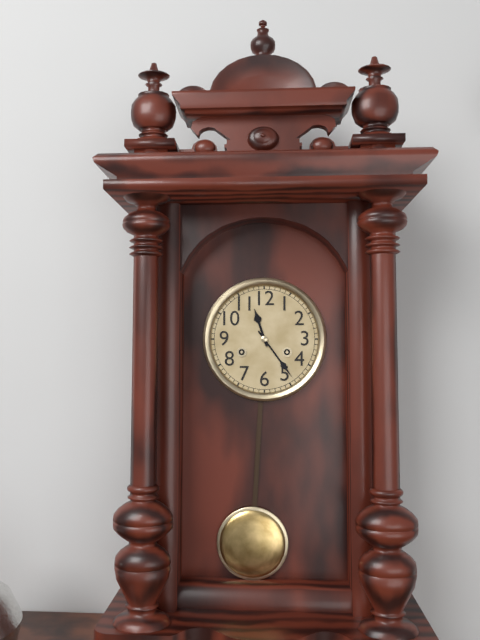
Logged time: 11 h 24 min
